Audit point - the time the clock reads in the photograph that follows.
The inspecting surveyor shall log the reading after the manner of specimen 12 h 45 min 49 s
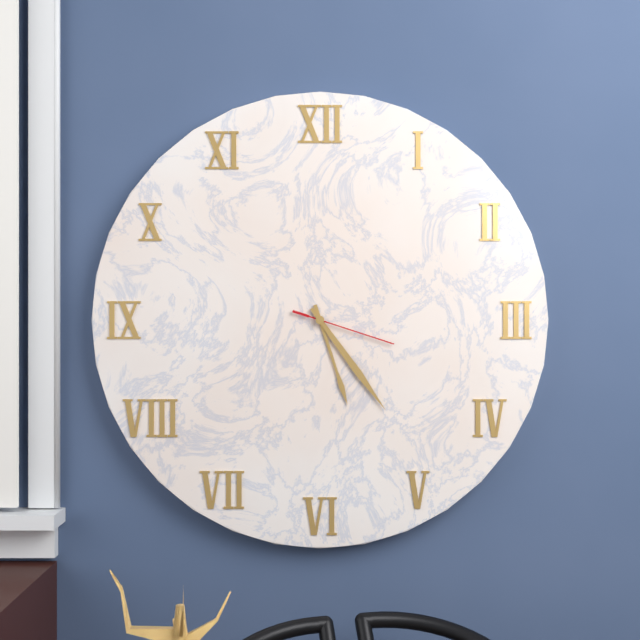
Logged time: 5 h 24 min 18 s
